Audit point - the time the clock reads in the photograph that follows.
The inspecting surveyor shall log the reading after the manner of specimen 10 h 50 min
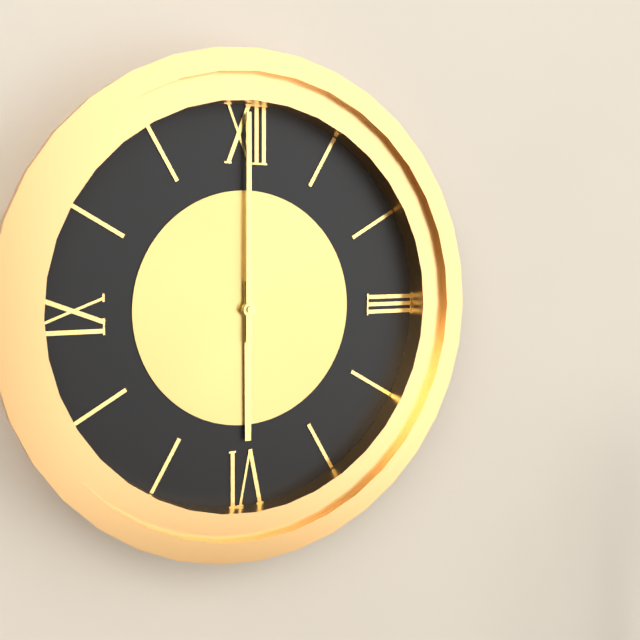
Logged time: 6 h 00 min
